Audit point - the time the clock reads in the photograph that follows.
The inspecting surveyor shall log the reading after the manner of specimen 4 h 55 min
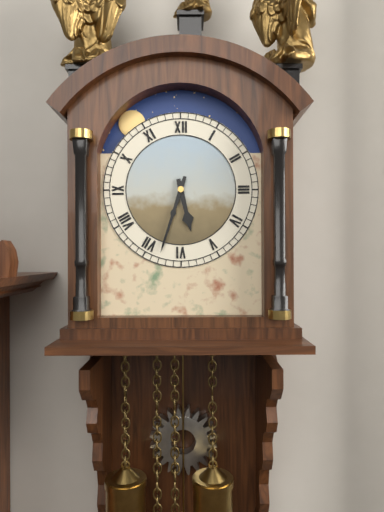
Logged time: 5 h 33 min
